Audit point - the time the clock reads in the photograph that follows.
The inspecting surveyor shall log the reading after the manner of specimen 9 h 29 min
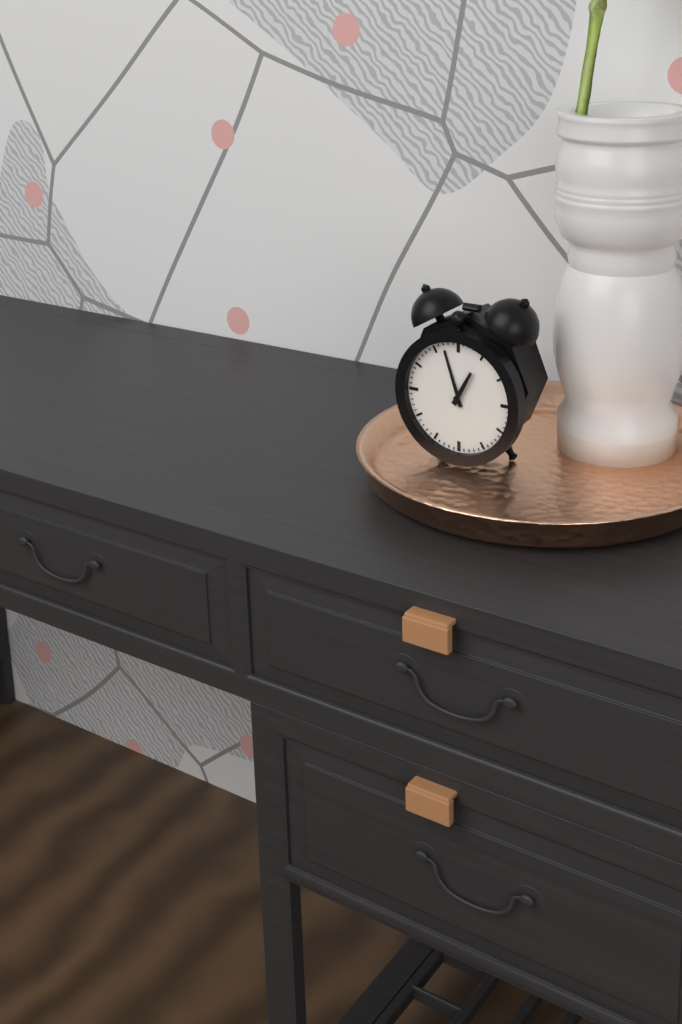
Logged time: 12 h 57 min
